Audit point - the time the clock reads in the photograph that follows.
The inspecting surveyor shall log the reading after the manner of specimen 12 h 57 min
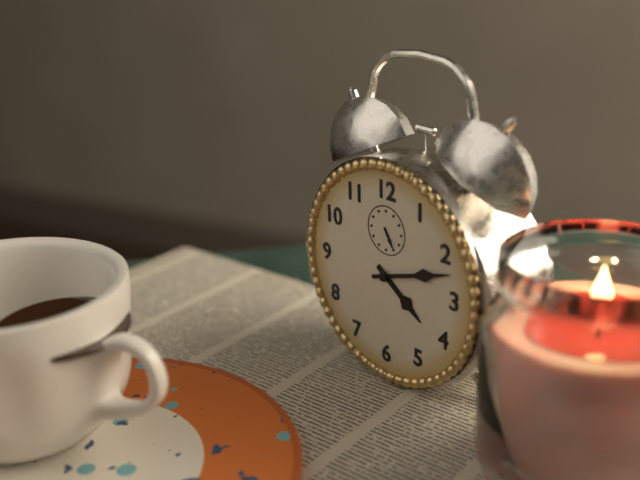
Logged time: 4 h 12 min
